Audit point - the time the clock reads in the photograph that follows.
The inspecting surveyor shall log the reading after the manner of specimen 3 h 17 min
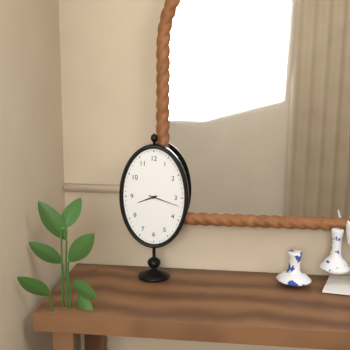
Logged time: 8 h 18 min
